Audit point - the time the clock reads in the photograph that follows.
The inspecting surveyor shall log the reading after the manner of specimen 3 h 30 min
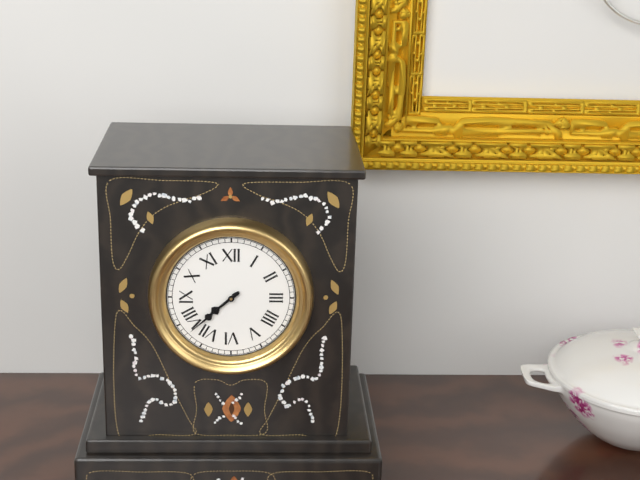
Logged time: 7 h 38 min
